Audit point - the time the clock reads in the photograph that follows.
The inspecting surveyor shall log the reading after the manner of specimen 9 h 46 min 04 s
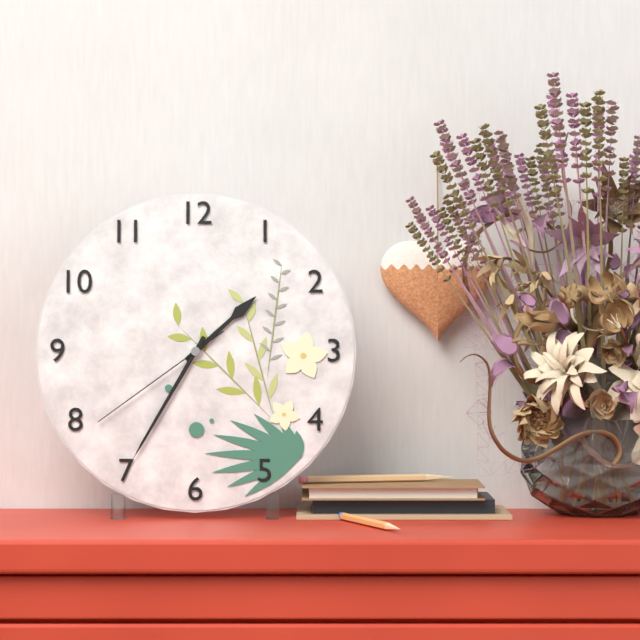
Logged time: 1 h 35 min 39 s
